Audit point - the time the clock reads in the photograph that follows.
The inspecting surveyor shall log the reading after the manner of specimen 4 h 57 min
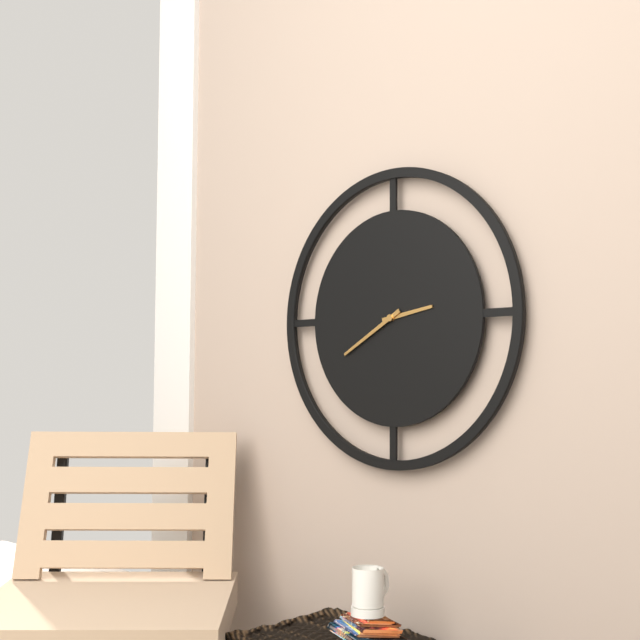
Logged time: 2 h 40 min
